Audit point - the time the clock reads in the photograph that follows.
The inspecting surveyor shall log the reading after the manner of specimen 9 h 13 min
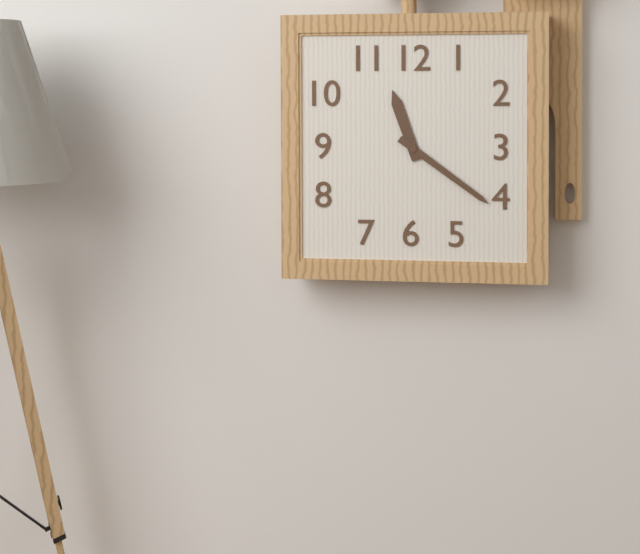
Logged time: 11 h 21 min
